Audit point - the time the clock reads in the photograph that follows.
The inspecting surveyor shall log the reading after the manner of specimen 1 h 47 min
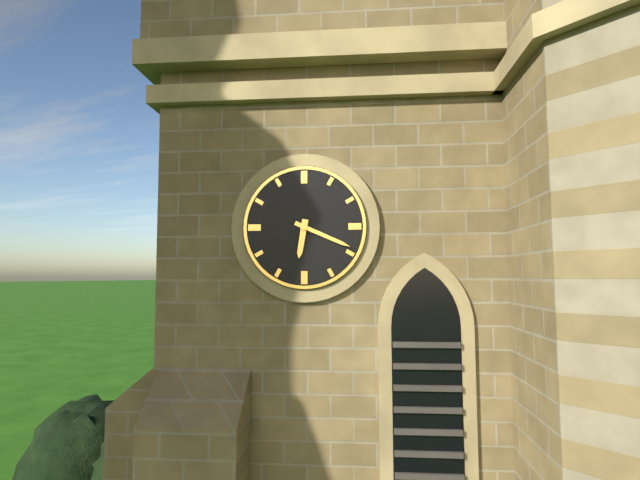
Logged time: 6 h 19 min
